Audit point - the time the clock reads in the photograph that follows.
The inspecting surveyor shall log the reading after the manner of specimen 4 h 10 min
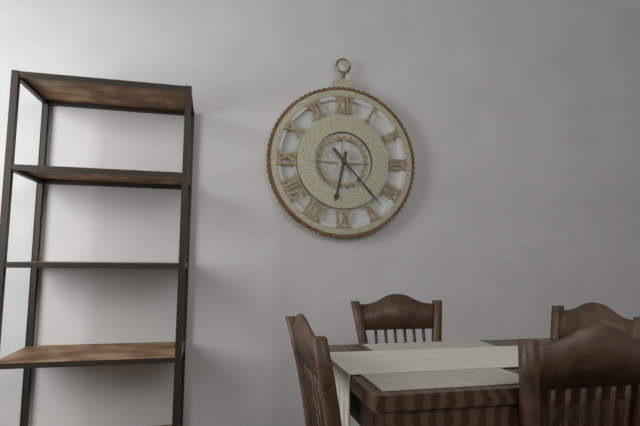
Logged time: 6 h 23 min
